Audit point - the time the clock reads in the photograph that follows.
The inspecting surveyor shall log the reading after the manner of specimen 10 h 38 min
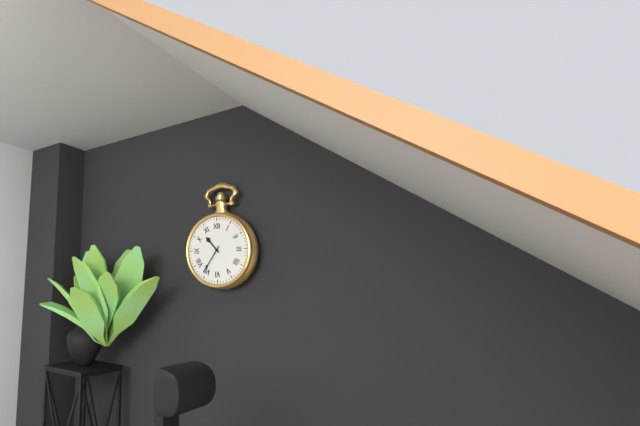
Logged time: 10 h 36 min
